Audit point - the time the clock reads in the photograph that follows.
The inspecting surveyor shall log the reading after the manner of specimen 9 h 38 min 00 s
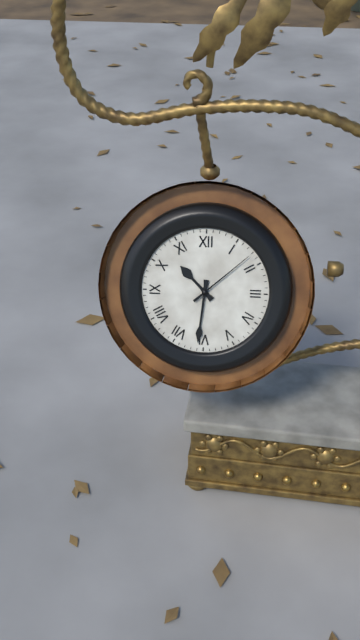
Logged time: 10 h 31 min 08 s
